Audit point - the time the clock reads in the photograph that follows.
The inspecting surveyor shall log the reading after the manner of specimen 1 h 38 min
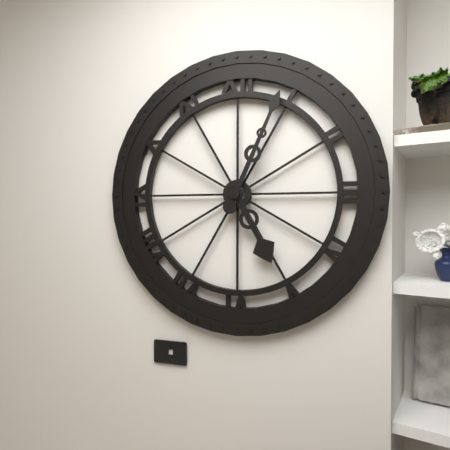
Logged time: 5 h 04 min
